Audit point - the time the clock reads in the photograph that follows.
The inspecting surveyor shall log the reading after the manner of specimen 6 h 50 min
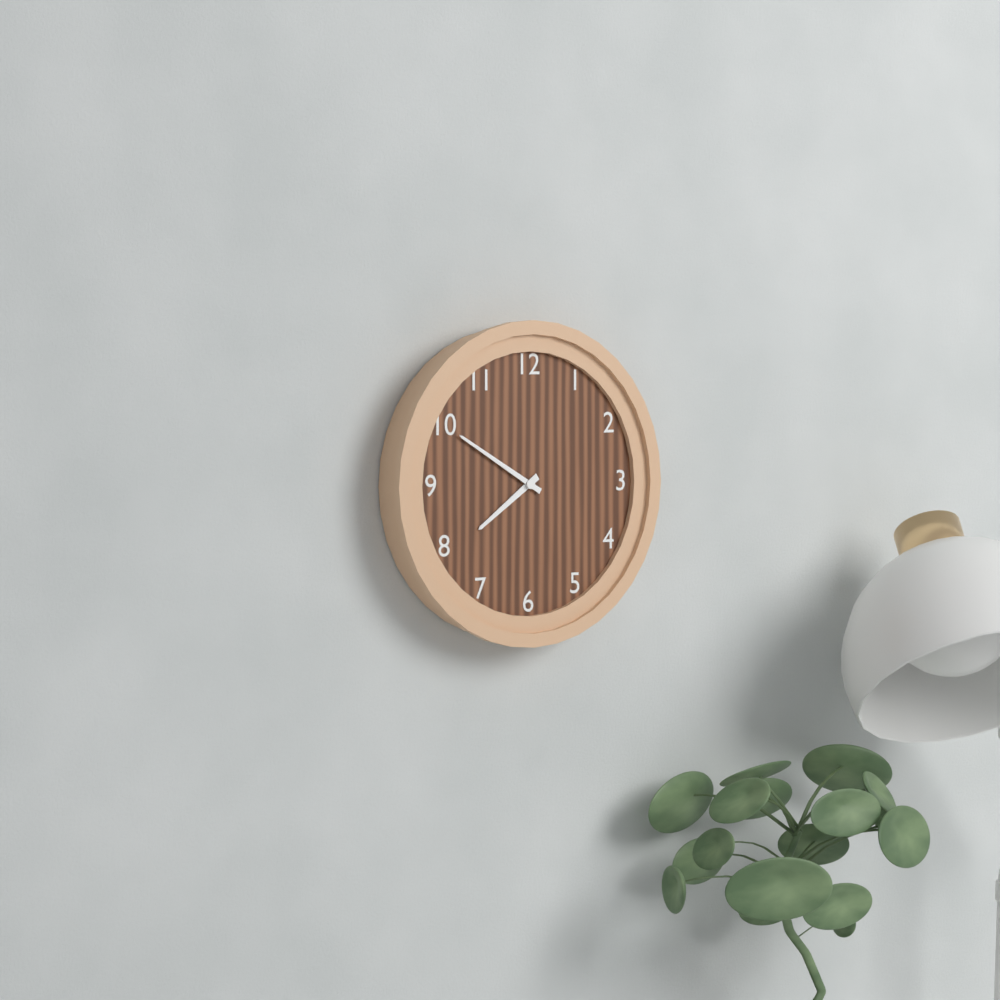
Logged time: 7 h 50 min
